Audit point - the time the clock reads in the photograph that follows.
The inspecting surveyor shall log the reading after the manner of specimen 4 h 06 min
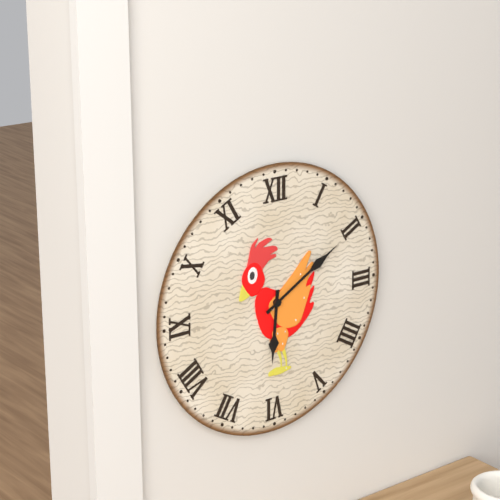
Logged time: 6 h 10 min
